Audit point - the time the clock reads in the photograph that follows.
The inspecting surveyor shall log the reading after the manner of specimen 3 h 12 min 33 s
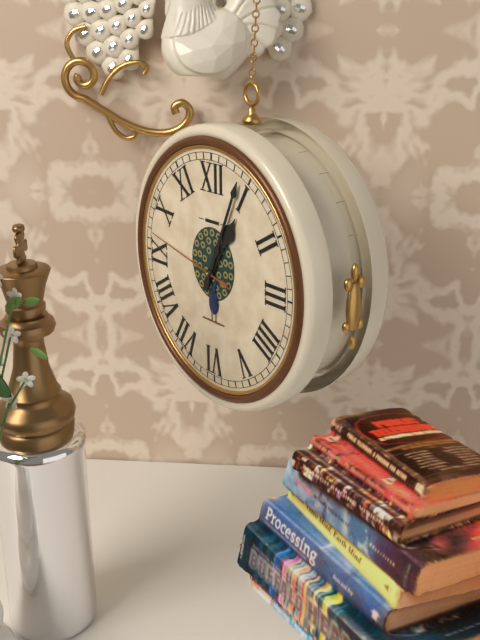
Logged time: 1 h 04 min 47 s
